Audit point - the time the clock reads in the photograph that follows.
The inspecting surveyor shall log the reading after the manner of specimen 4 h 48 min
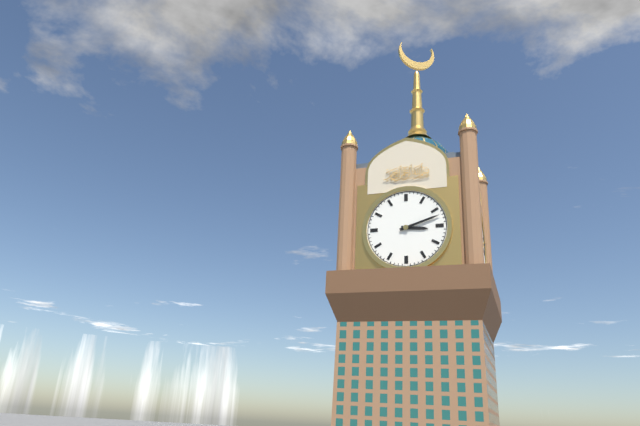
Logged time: 3 h 12 min
